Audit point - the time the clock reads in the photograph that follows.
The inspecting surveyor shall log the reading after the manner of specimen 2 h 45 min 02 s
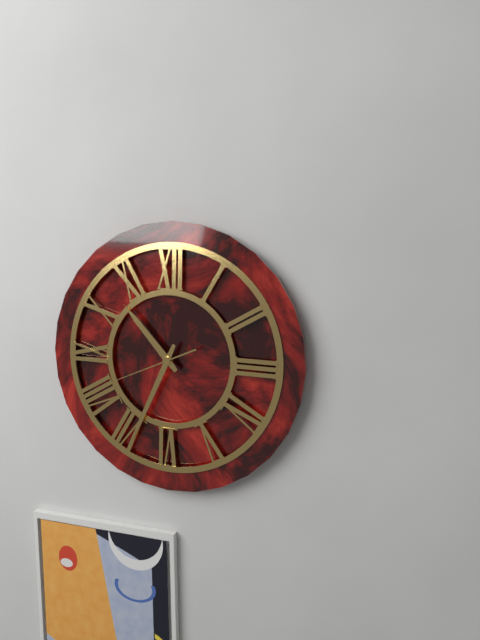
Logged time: 10 h 34 min 41 s
